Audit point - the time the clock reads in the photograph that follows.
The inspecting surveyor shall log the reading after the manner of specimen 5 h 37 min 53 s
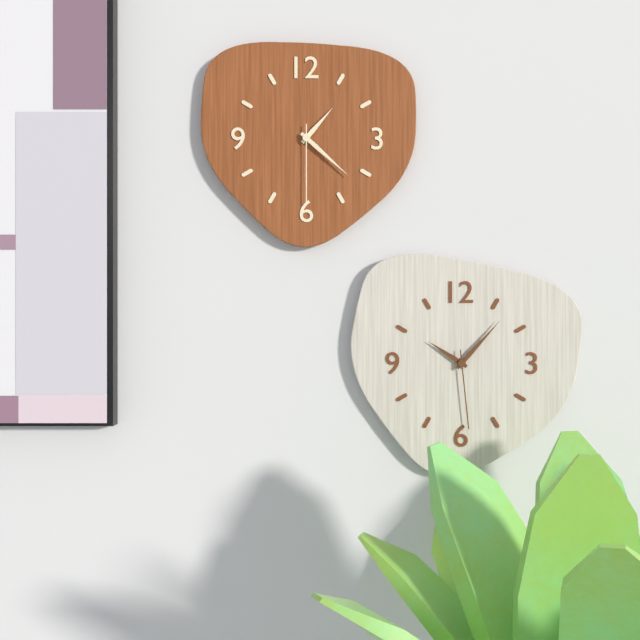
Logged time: 1 h 22 min 30 s
